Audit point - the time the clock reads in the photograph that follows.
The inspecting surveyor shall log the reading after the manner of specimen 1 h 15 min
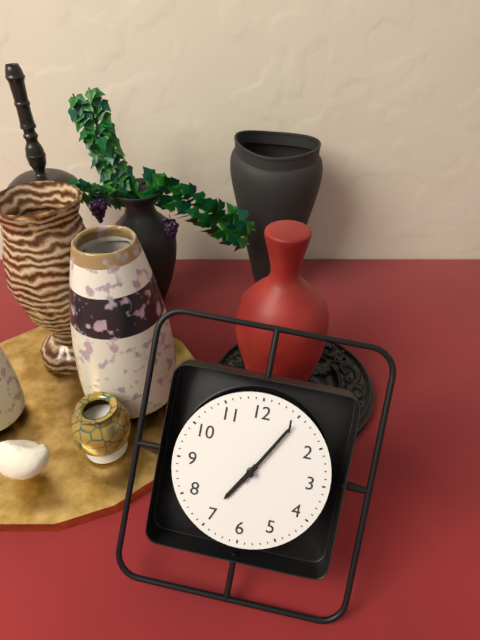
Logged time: 7 h 05 min
